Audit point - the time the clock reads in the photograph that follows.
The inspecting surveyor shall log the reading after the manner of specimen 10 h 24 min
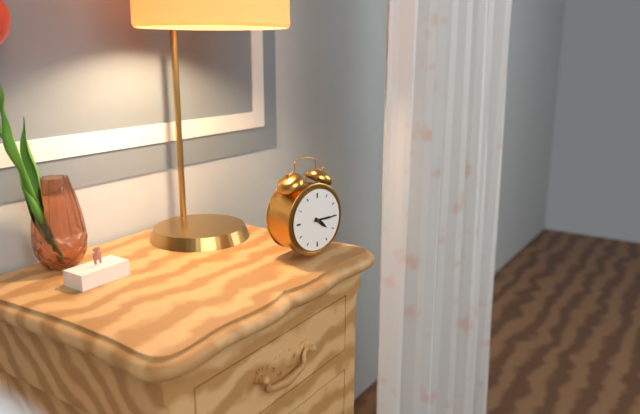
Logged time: 4 h 15 min
